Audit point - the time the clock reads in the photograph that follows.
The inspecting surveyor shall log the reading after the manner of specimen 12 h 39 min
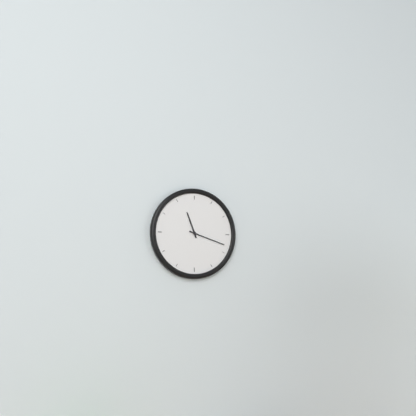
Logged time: 11 h 18 min
